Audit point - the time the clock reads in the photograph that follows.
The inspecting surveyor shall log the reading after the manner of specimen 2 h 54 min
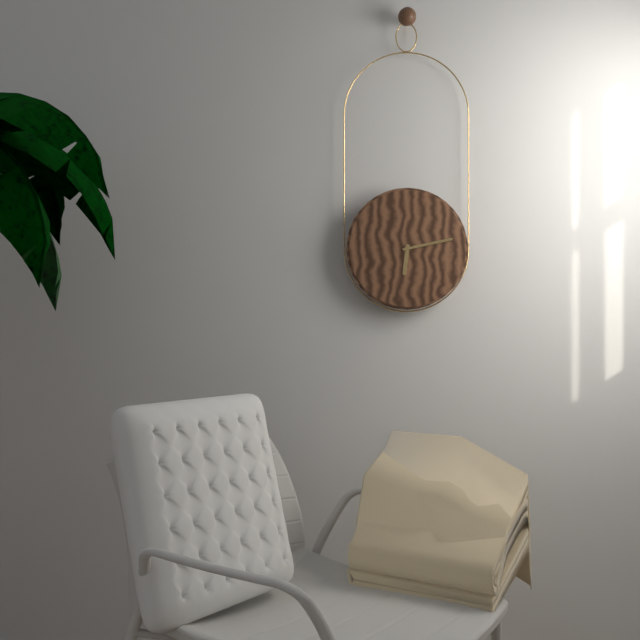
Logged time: 6 h 13 min
